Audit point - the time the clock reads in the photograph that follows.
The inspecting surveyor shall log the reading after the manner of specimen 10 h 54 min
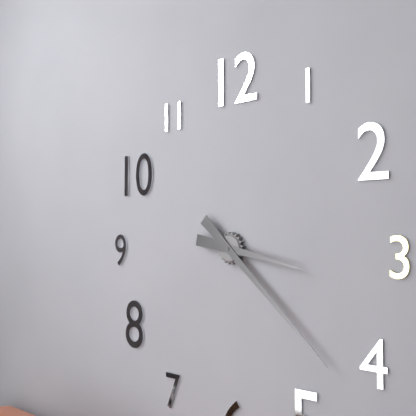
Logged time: 3 h 22 min
